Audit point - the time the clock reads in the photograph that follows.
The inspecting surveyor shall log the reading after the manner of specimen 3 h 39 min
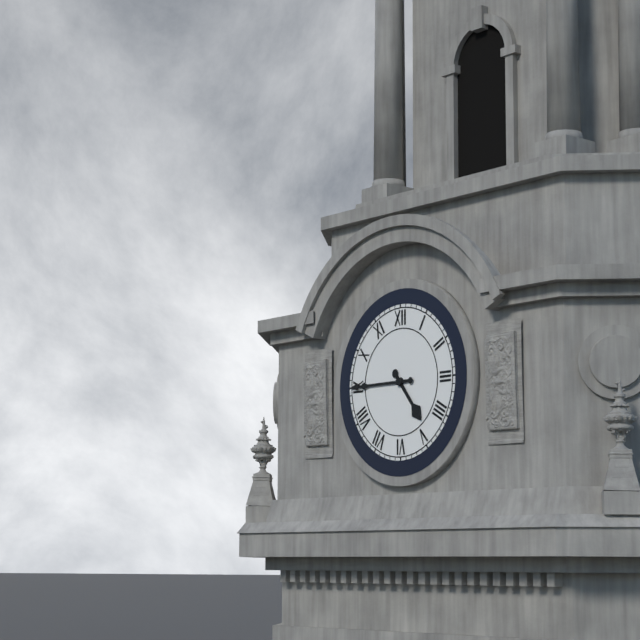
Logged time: 4 h 45 min
